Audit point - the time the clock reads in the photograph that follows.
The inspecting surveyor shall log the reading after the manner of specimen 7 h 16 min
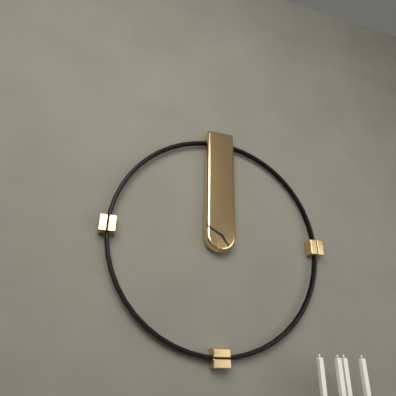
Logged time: 4 h 50 min
